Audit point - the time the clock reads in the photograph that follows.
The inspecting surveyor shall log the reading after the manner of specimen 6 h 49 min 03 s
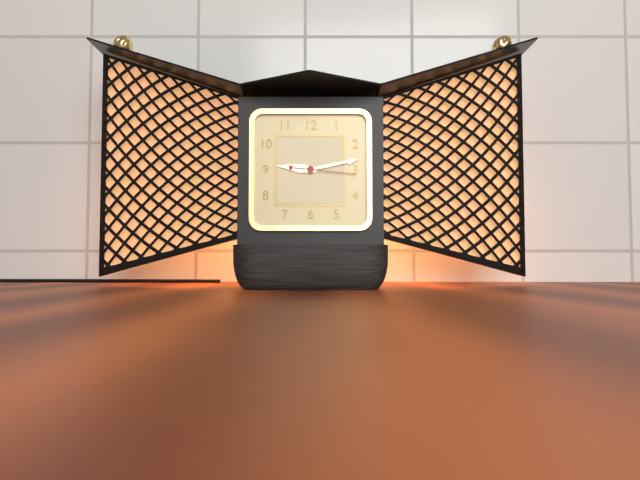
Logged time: 9 h 13 min 16 s
